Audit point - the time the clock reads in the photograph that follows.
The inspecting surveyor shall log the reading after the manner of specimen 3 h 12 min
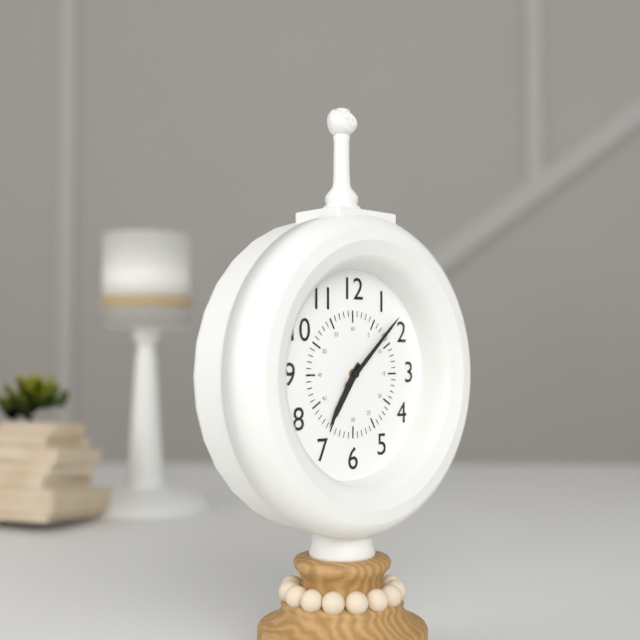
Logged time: 7 h 08 min
